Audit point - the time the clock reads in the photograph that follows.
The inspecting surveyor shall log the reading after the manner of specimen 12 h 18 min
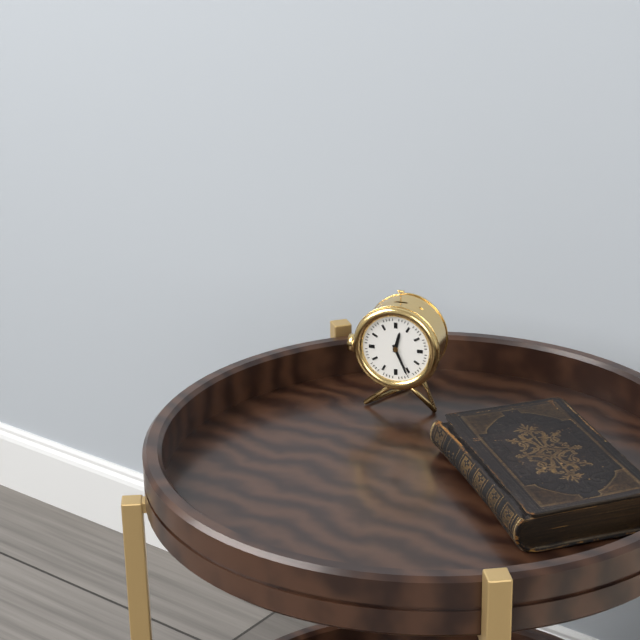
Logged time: 12 h 26 min
